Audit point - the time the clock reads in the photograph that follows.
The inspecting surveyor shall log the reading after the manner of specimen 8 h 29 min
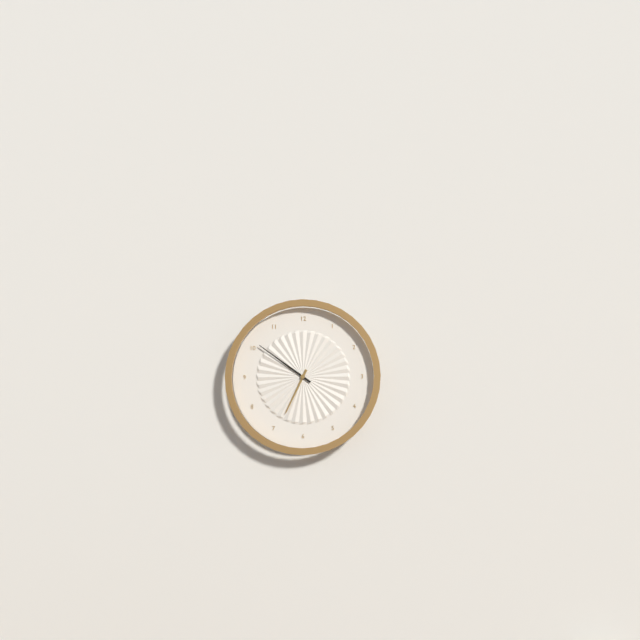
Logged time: 6 h 51 min
